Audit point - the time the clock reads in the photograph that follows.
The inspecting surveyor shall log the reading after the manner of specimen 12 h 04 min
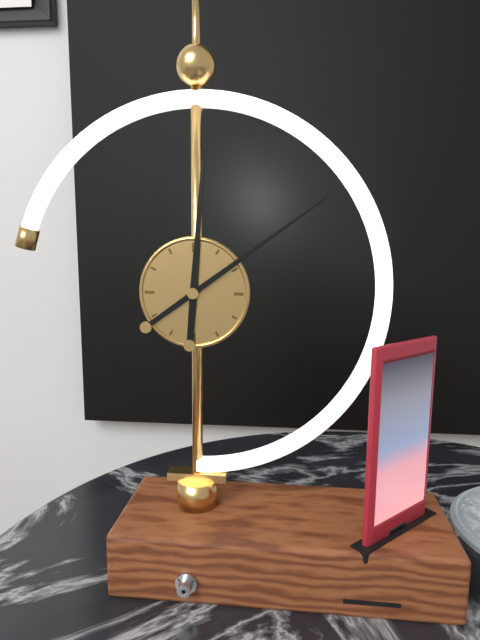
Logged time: 12 h 09 min
